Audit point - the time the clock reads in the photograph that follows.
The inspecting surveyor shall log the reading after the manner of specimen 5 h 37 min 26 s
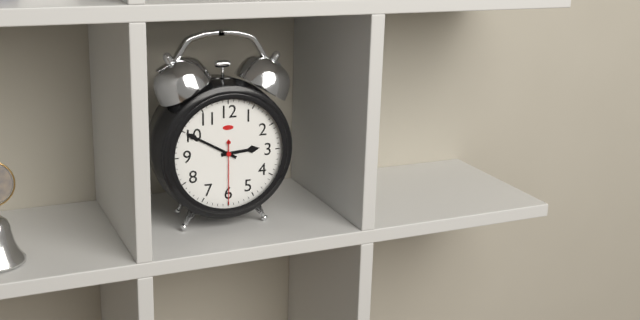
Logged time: 2 h 50 min 30 s
